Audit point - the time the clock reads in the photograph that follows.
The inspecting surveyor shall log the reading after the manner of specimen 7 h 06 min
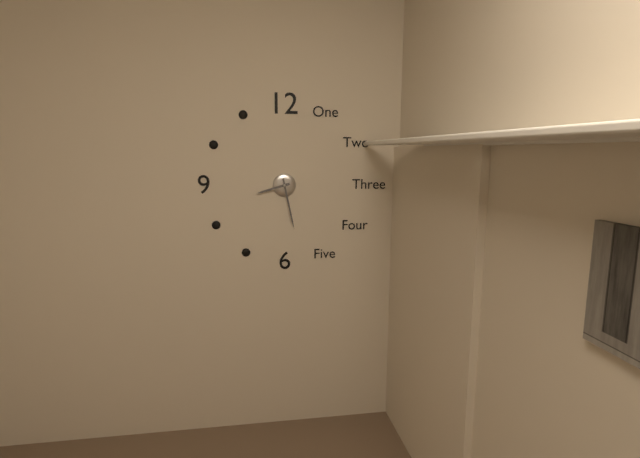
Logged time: 8 h 28 min
